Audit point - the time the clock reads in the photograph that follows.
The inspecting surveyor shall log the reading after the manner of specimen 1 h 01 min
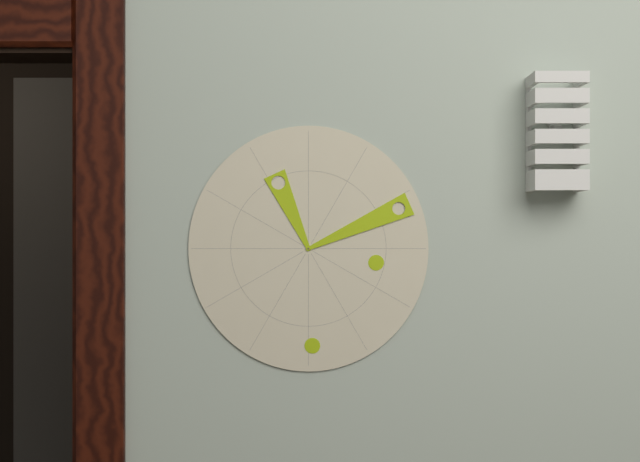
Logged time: 11 h 11 min
